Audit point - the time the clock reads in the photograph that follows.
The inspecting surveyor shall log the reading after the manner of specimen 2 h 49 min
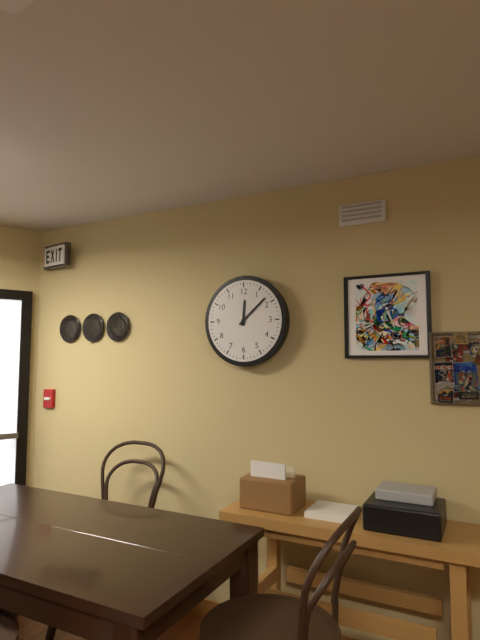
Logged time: 12 h 08 min
